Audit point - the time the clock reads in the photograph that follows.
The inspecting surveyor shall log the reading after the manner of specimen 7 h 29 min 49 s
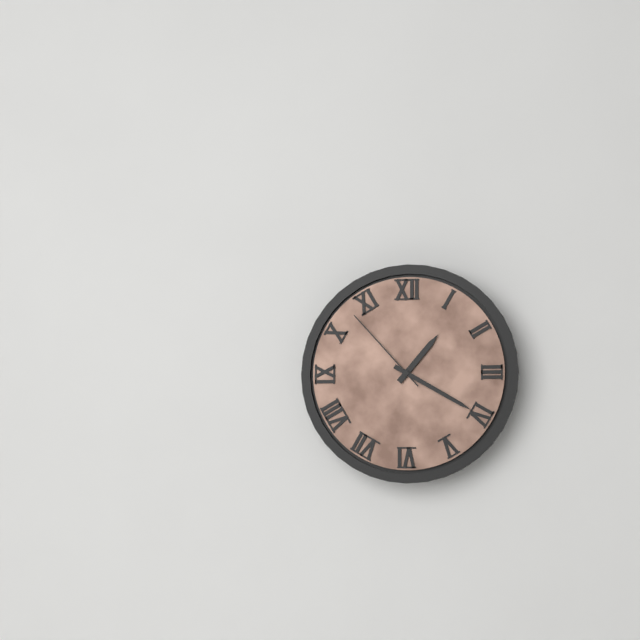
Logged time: 1 h 20 min 53 s
